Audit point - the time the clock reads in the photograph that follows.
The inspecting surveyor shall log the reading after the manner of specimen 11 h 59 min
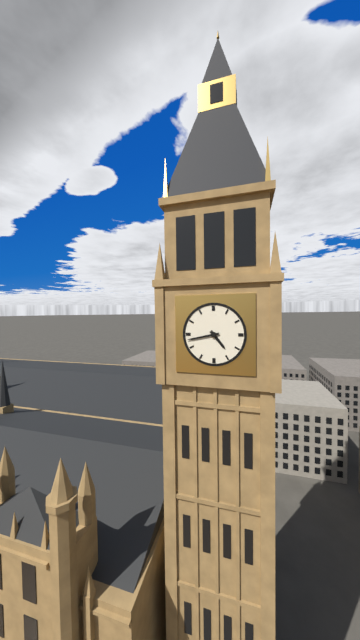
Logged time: 4 h 43 min
